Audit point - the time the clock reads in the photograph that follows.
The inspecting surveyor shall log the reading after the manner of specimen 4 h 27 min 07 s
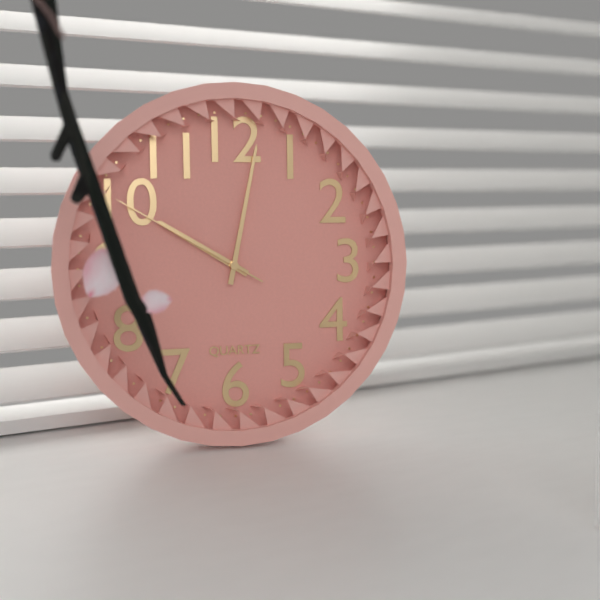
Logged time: 10 h 02 min 50 s
